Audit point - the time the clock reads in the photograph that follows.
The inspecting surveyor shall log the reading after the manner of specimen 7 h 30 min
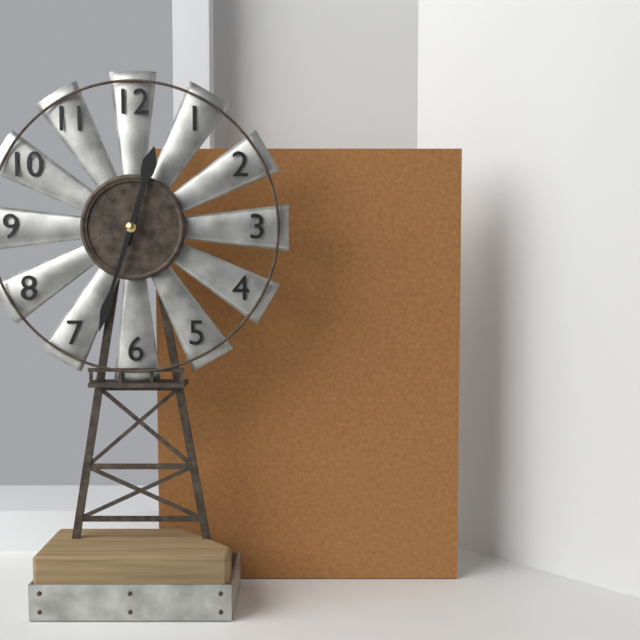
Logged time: 12 h 33 min
